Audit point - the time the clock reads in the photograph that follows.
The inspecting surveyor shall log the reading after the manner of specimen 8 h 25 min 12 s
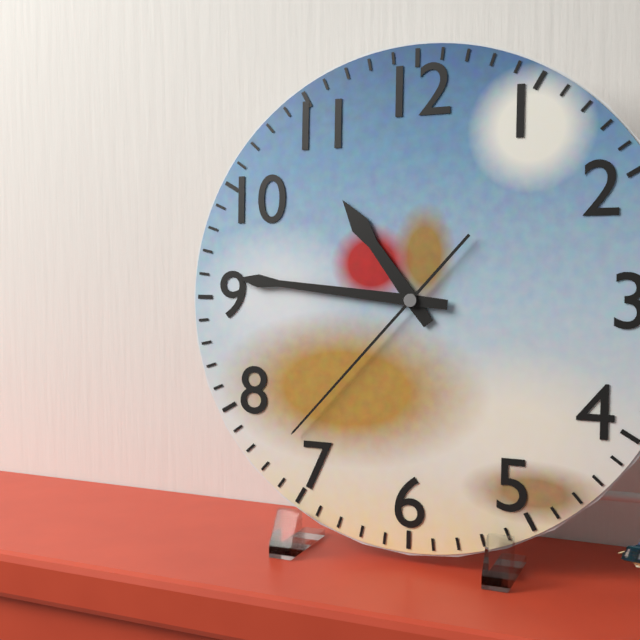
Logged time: 10 h 46 min 37 s
